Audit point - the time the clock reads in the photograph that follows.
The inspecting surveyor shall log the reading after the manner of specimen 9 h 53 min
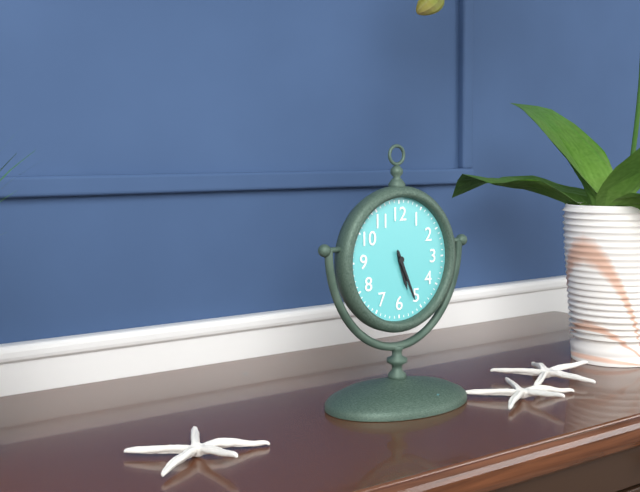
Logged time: 5 h 26 min
